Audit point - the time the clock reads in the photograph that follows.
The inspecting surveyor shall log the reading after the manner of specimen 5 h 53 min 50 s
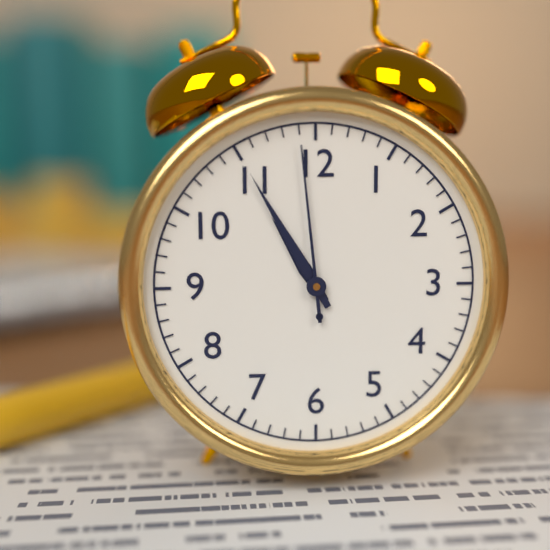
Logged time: 10 h 55 min 59 s
